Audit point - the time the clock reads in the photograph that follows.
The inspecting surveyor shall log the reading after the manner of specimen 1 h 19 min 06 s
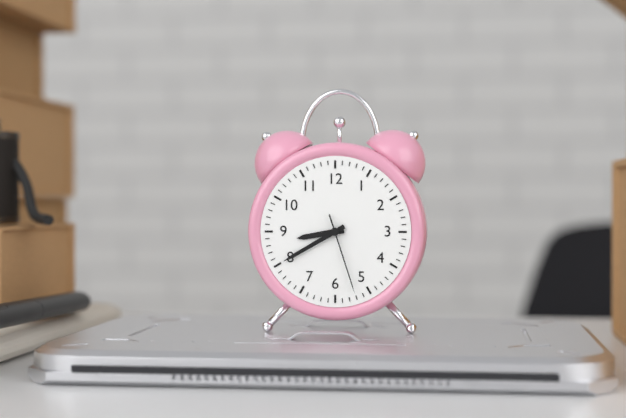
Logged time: 8 h 40 min 27 s
